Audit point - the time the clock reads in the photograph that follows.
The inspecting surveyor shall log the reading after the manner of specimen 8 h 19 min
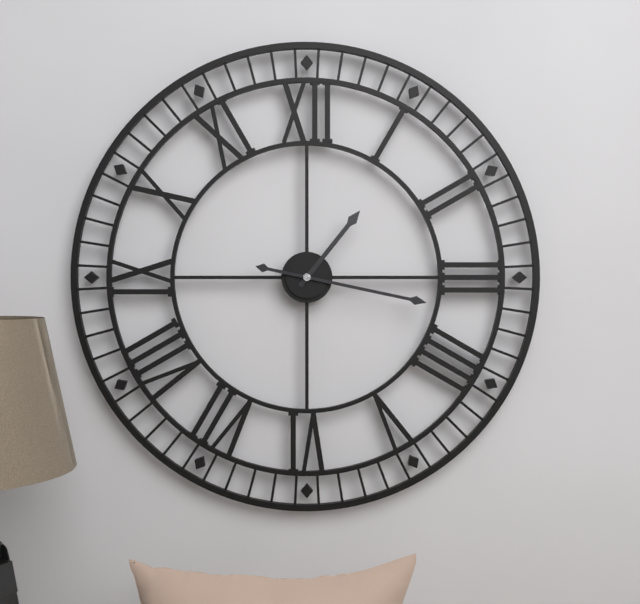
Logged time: 1 h 17 min
